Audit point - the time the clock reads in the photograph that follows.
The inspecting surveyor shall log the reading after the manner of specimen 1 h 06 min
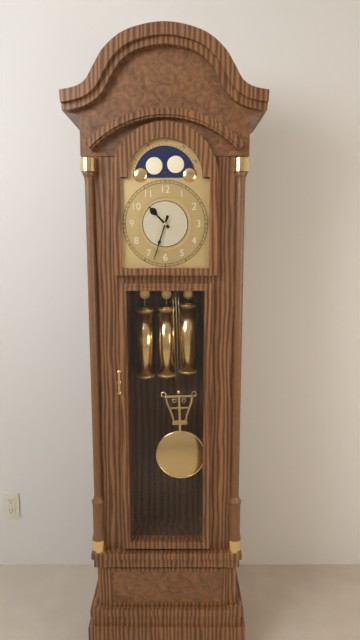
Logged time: 10 h 33 min
